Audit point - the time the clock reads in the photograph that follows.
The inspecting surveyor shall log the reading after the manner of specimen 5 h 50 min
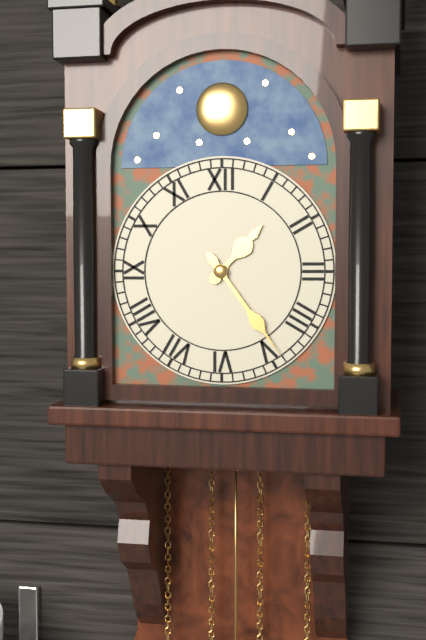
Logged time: 1 h 24 min
